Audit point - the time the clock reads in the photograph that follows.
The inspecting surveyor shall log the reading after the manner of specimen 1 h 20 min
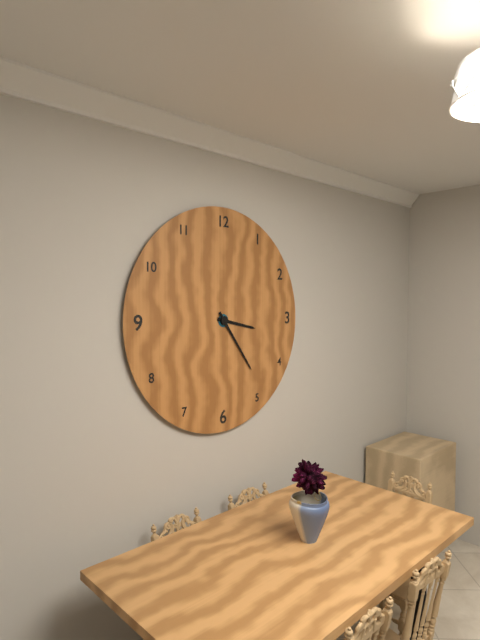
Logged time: 3 h 24 min
